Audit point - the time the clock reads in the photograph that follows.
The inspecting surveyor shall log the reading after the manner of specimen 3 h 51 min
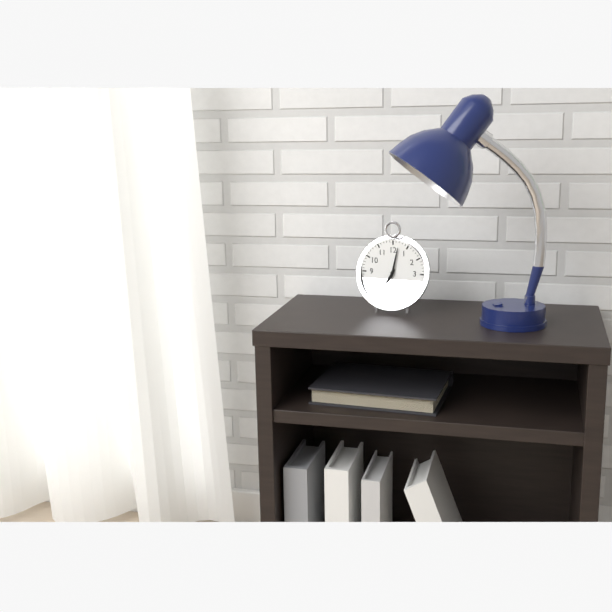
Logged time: 7 h 02 min
